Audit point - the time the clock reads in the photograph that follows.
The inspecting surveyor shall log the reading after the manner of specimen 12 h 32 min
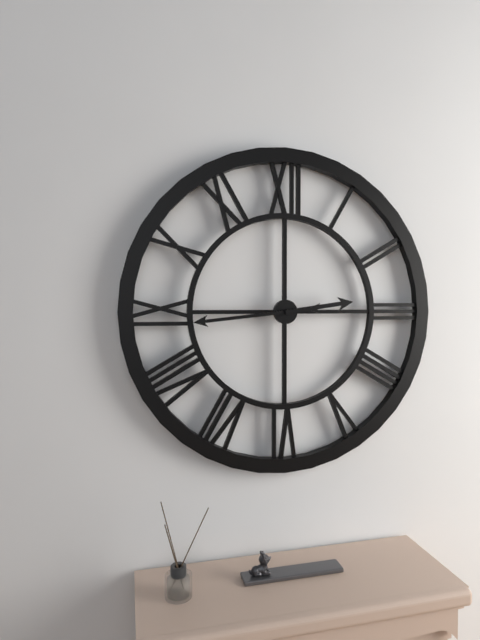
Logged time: 2 h 44 min
